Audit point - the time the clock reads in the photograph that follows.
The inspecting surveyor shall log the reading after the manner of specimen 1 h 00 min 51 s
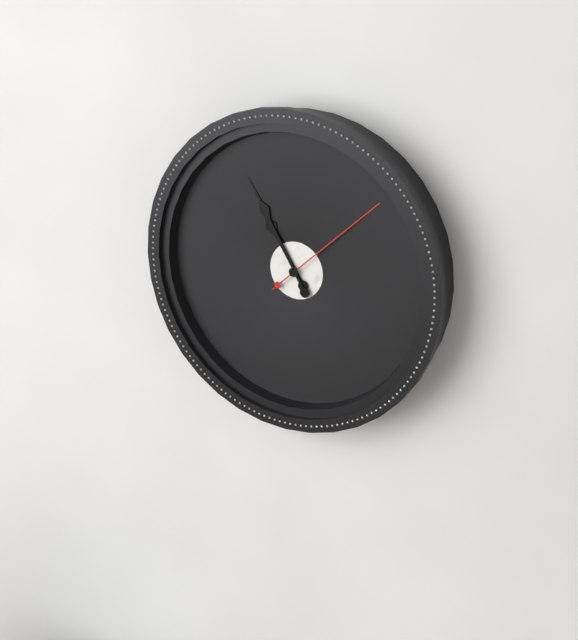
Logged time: 10 h 55 min 08 s
